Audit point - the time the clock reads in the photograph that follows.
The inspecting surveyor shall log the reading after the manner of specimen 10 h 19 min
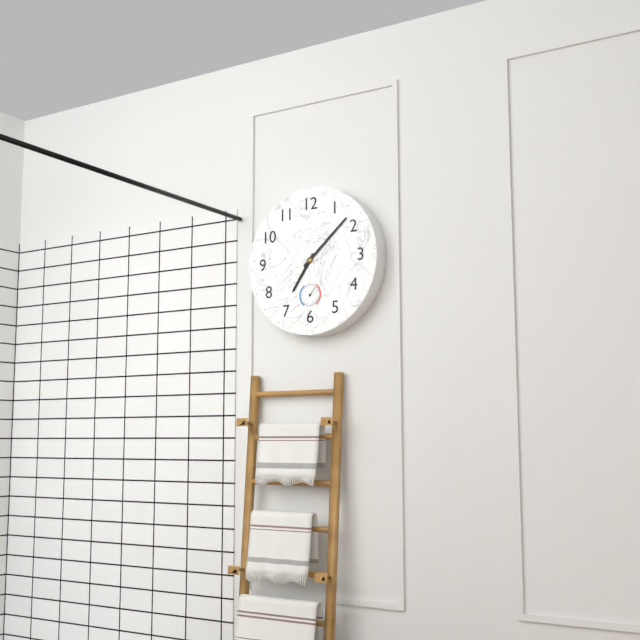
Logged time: 7 h 08 min
